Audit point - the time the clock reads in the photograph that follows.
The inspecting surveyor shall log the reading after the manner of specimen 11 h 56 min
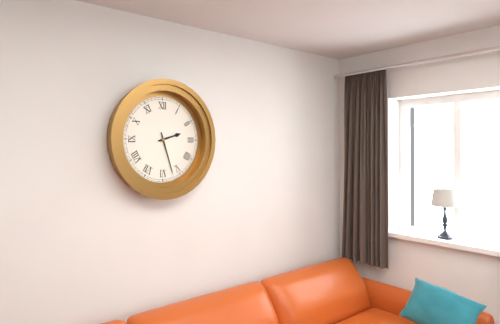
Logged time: 2 h 27 min
